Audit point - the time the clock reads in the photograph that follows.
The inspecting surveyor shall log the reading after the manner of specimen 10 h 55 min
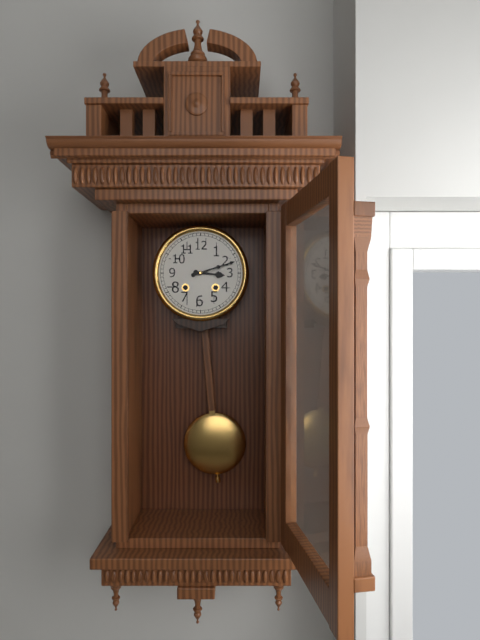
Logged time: 3 h 12 min
